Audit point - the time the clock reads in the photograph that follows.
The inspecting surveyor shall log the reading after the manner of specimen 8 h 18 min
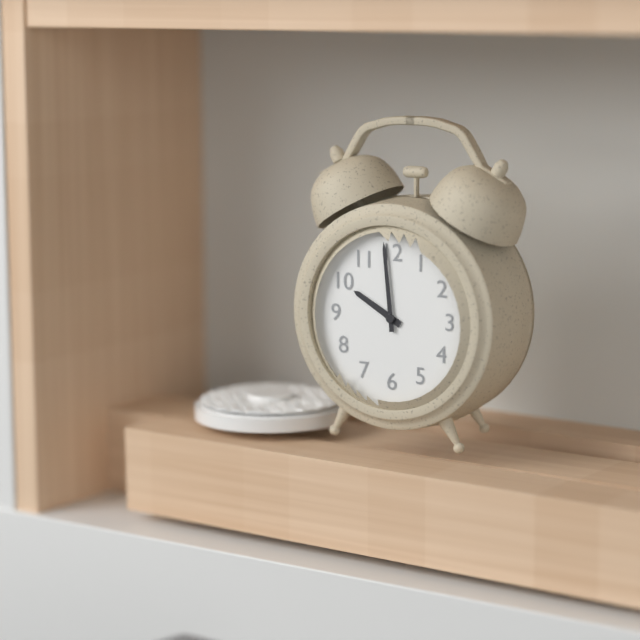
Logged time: 9 h 59 min
